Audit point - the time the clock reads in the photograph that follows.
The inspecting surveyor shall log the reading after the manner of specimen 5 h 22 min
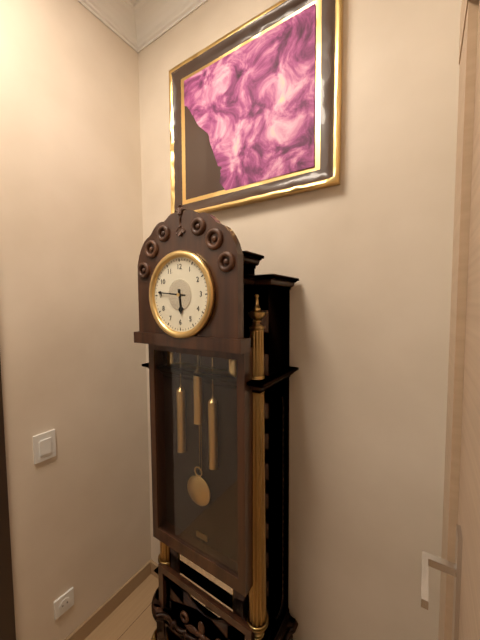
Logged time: 5 h 46 min
